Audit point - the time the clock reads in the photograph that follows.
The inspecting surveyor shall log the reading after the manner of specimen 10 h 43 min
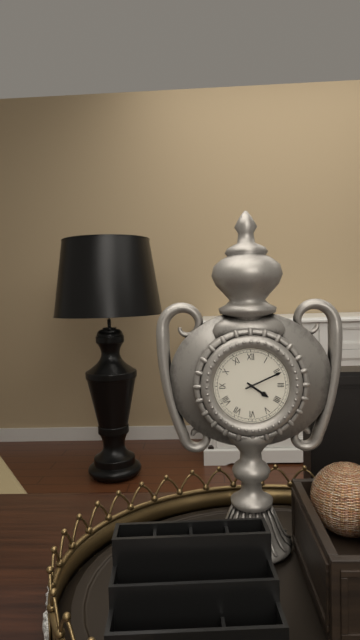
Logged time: 4 h 11 min
